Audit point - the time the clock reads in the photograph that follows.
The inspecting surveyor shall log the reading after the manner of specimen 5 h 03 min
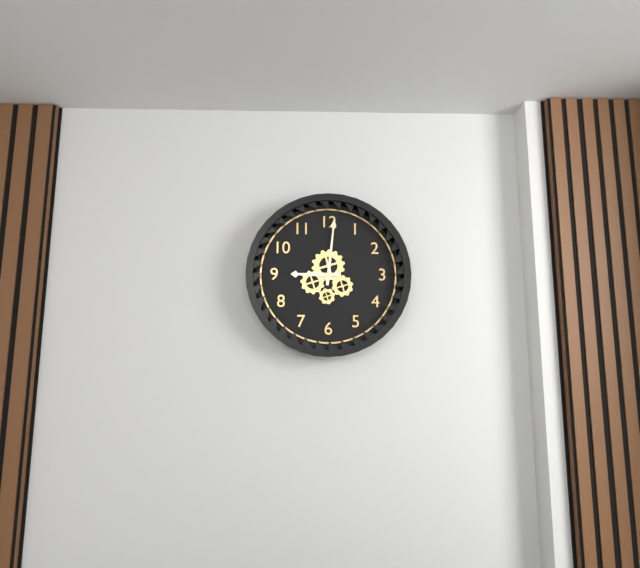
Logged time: 9 h 01 min
